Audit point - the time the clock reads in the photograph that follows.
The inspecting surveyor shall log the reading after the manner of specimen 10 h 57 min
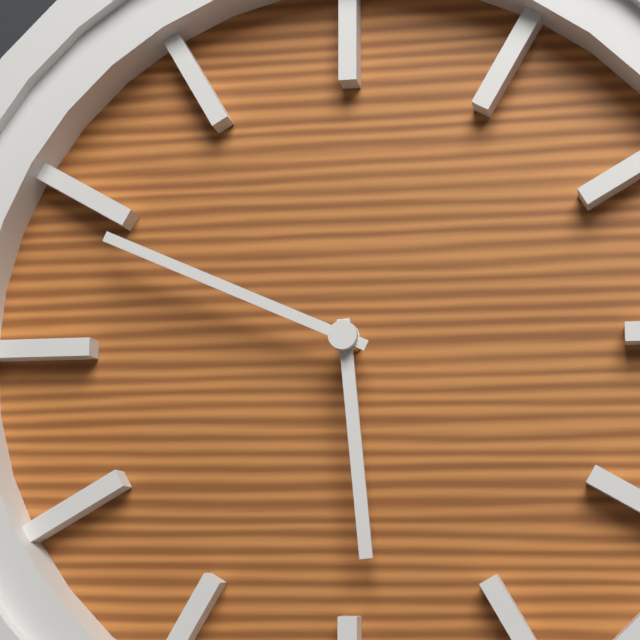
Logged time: 5 h 49 min
